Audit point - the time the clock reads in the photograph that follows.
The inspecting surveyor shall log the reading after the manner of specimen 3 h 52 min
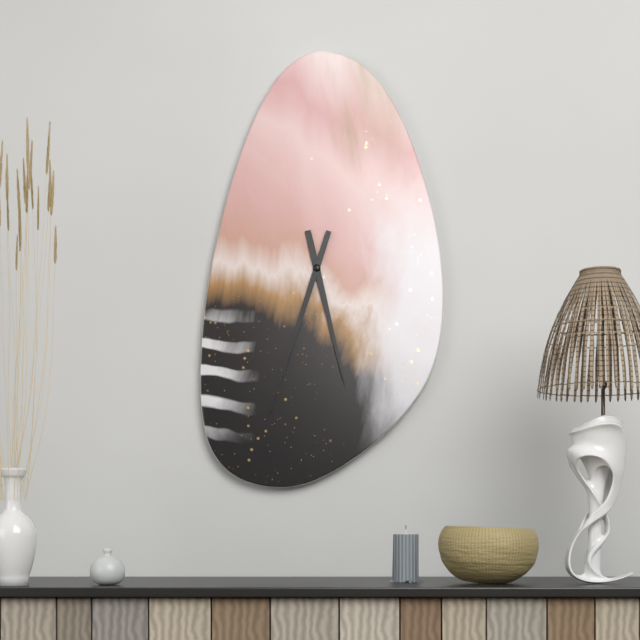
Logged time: 5 h 33 min
